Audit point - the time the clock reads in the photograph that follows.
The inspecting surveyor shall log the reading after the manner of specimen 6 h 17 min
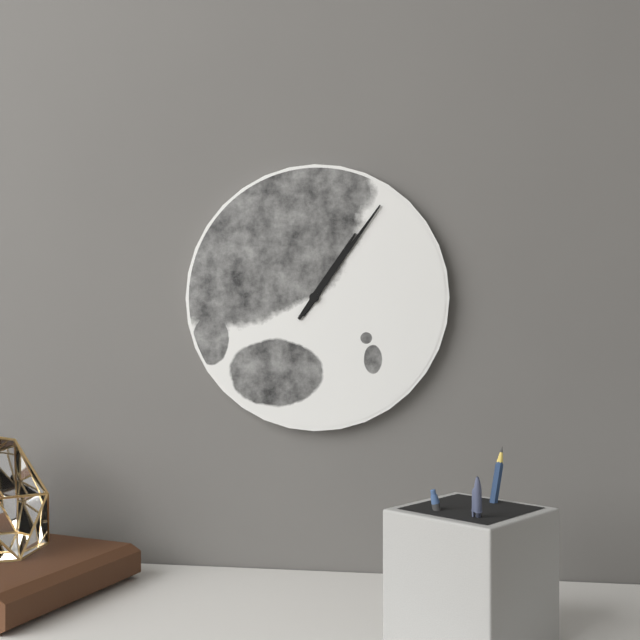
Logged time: 1 h 06 min
